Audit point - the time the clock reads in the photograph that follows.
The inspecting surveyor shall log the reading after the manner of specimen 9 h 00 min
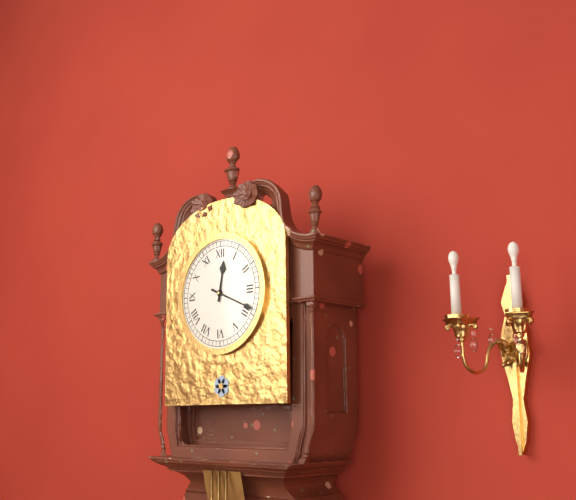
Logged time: 12 h 19 min
